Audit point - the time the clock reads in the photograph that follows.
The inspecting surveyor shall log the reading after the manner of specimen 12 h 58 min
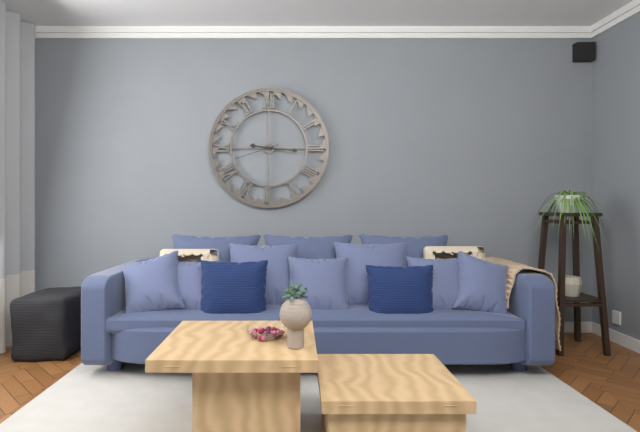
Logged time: 9 h 16 min
